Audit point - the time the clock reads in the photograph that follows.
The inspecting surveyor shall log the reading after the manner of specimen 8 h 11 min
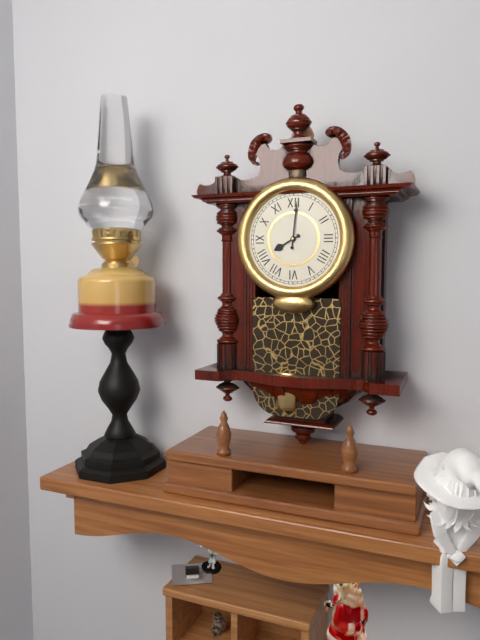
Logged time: 8 h 01 min
